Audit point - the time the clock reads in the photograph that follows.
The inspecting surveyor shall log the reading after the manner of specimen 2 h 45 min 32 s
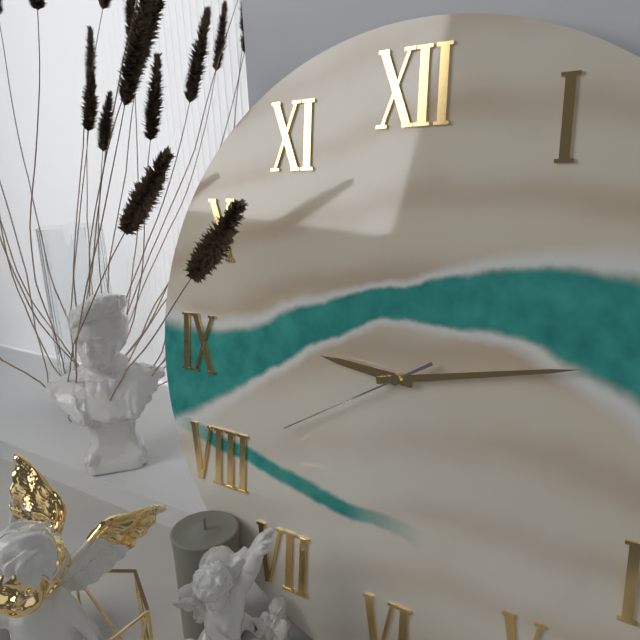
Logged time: 9 h 13 min 40 s
